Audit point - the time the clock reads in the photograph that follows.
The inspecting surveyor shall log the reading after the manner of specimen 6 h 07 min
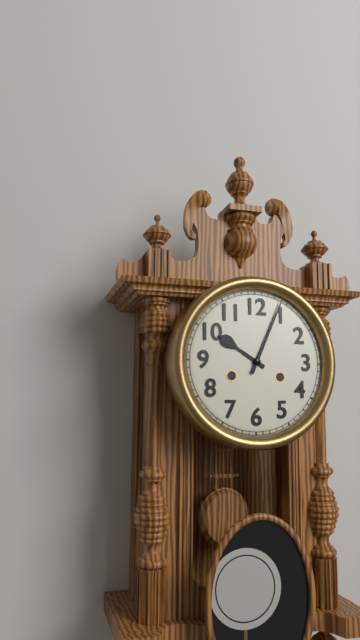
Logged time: 10 h 04 min
